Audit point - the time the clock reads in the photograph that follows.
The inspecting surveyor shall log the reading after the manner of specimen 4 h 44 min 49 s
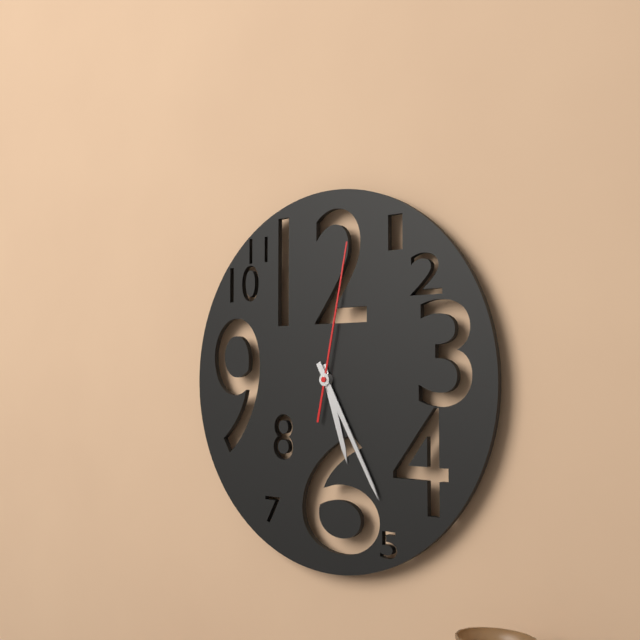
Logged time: 5 h 25 min 02 s
